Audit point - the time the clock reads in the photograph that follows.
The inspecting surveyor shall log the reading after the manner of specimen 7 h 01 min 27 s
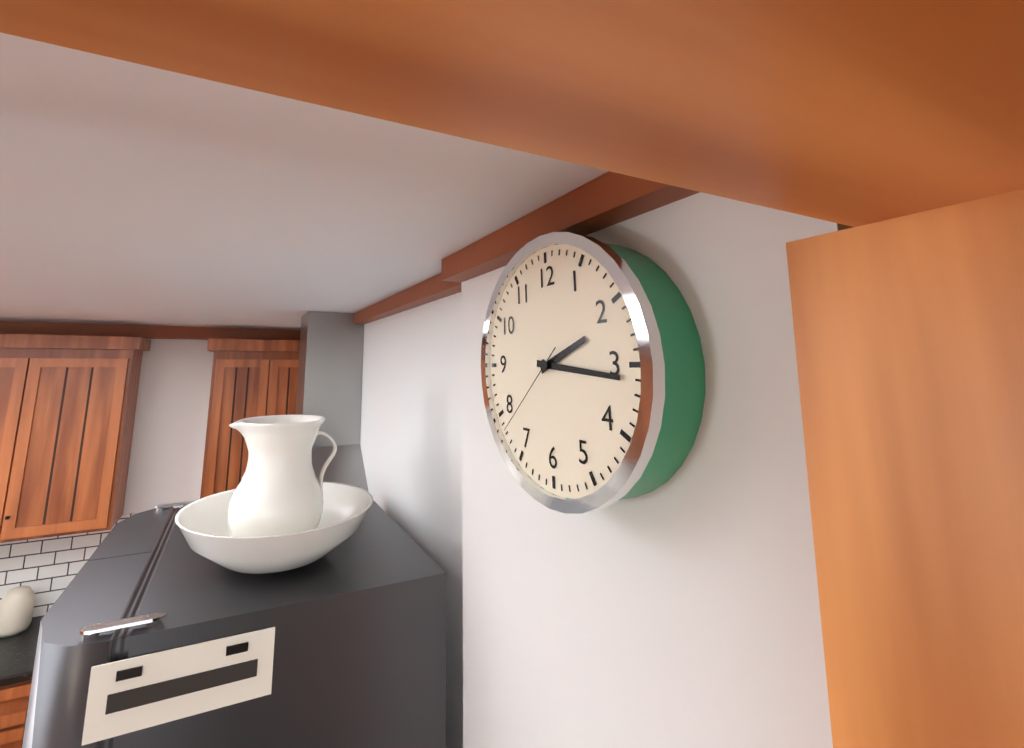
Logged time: 2 h 16 min 38 s
